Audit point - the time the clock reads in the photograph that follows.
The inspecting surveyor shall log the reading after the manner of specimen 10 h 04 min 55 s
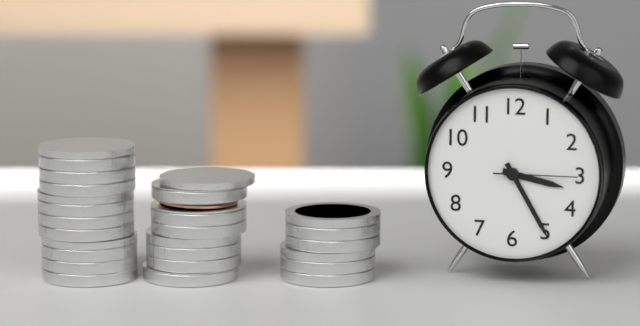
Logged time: 3 h 25 min 15 s
